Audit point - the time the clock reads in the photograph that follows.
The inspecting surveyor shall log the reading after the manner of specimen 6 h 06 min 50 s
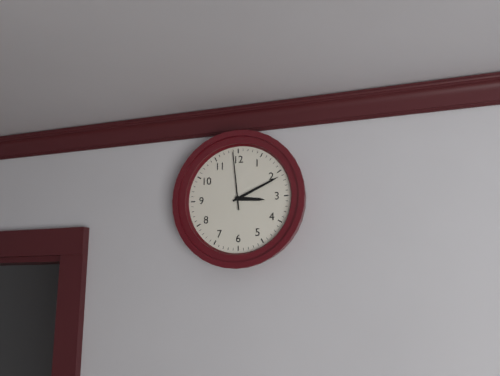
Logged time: 3 h 11 min 59 s
